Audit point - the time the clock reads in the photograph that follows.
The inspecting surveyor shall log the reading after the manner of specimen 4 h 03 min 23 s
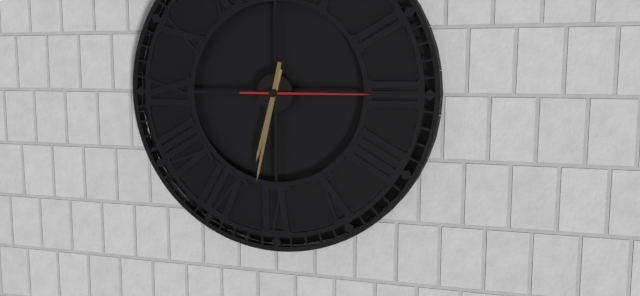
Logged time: 6 h 32 min 15 s
